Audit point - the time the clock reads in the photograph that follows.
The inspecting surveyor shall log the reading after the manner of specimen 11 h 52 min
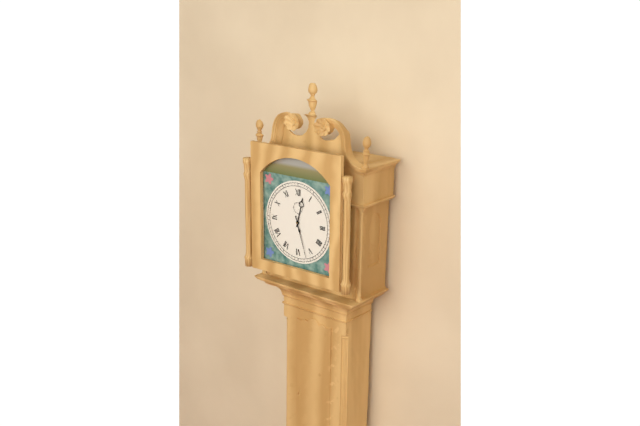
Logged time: 12 h 27 min
